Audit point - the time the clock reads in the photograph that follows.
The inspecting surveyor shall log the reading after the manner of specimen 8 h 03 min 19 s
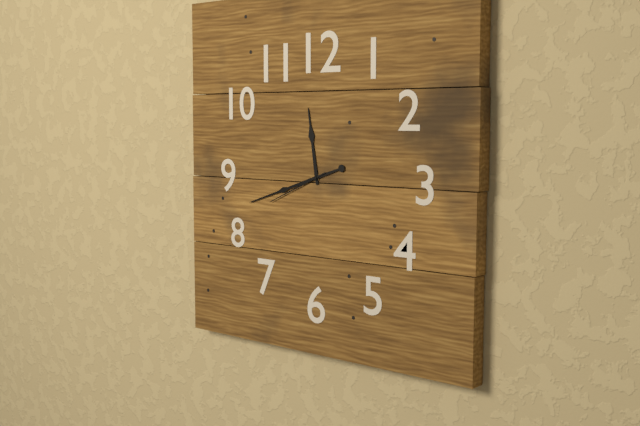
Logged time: 11 h 42 min 41 s
